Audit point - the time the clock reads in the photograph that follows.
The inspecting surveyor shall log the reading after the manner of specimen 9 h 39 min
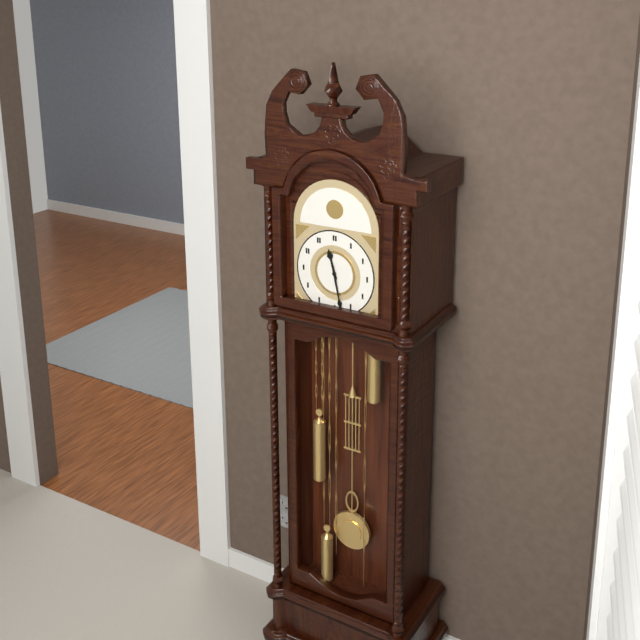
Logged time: 11 h 28 min
